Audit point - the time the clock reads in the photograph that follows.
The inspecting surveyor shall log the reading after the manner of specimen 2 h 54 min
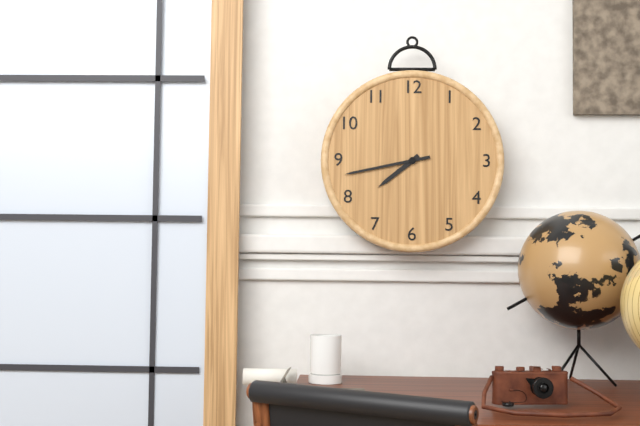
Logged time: 7 h 43 min
